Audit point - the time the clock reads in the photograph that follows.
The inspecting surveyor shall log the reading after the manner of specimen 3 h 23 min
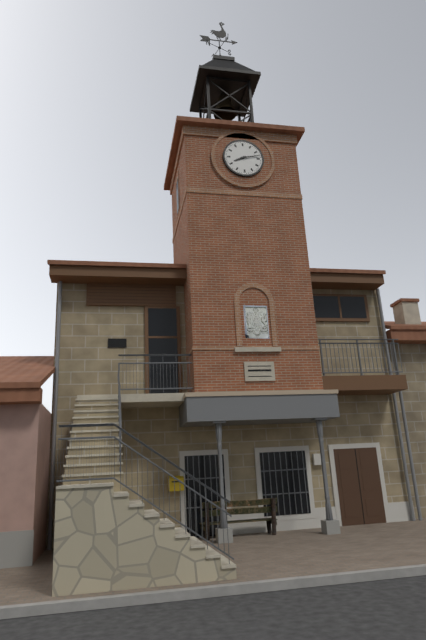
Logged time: 8 h 13 min
